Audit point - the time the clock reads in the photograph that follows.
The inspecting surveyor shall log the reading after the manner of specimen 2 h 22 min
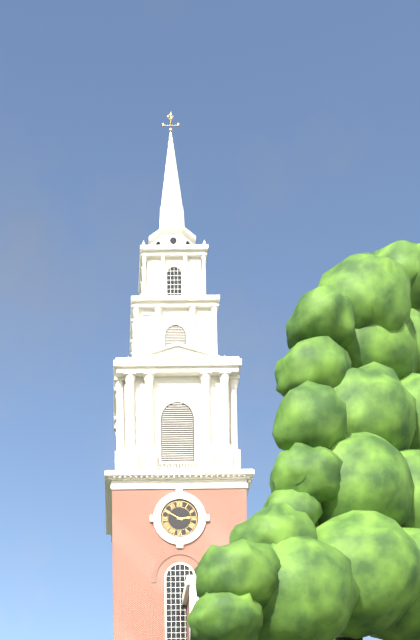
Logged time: 2 h 50 min
